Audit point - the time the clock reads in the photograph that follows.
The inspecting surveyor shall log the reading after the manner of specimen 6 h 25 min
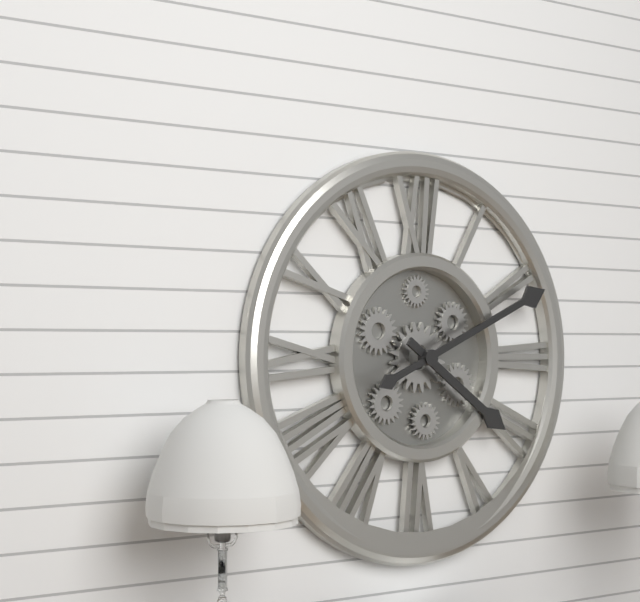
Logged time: 4 h 11 min
